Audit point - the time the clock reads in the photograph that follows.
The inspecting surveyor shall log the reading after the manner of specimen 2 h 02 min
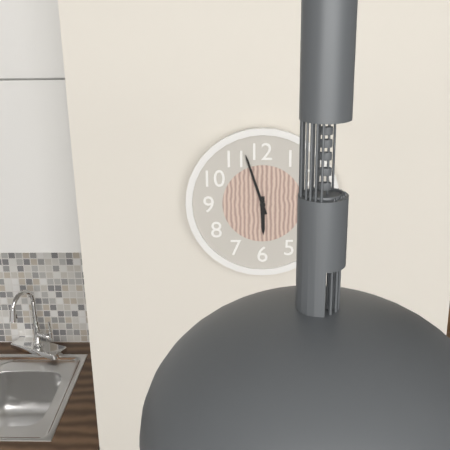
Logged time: 5 h 57 min
